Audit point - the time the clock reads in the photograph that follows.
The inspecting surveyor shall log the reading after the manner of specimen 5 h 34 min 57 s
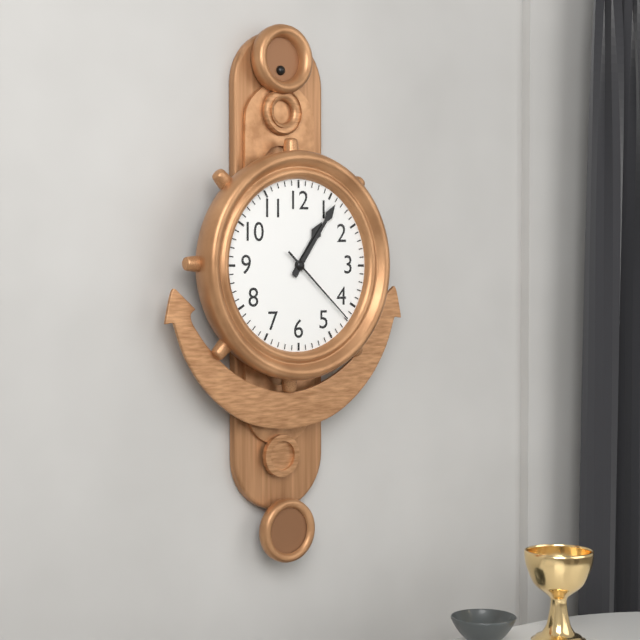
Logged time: 1 h 06 min 22 s
